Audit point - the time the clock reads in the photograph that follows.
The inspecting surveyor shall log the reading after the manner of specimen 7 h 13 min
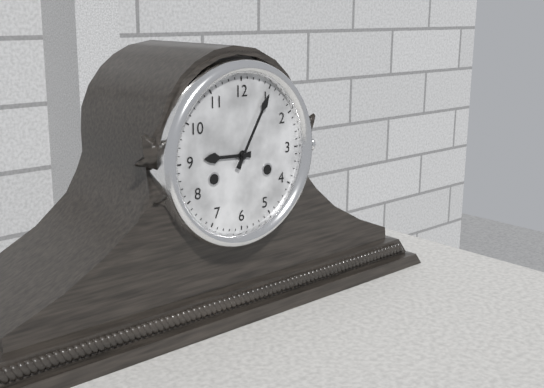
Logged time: 9 h 05 min
